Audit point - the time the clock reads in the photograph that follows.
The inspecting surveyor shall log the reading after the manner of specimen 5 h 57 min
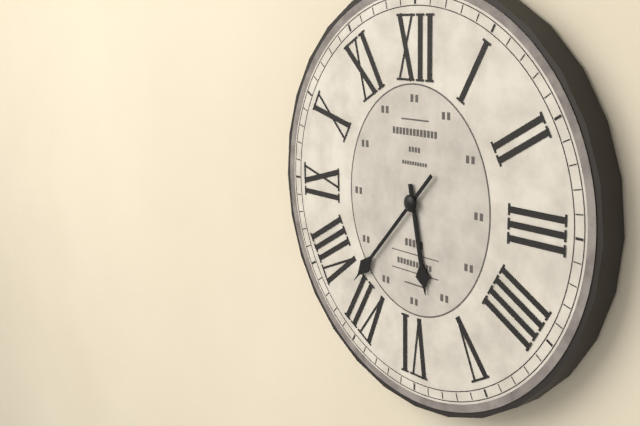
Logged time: 5 h 37 min
